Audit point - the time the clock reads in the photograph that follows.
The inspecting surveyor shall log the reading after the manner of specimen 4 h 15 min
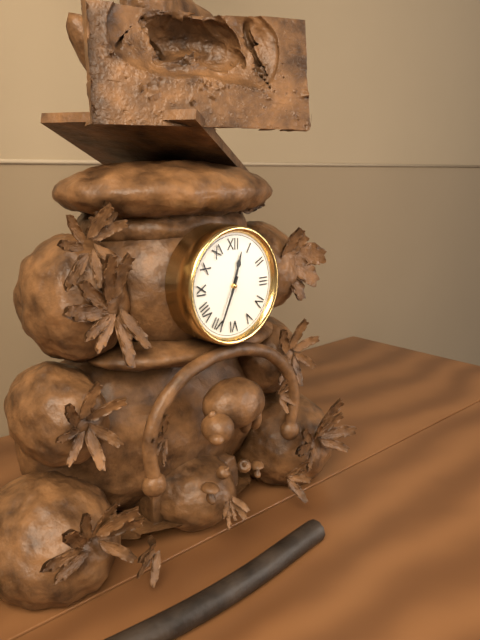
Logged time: 12 h 34 min
